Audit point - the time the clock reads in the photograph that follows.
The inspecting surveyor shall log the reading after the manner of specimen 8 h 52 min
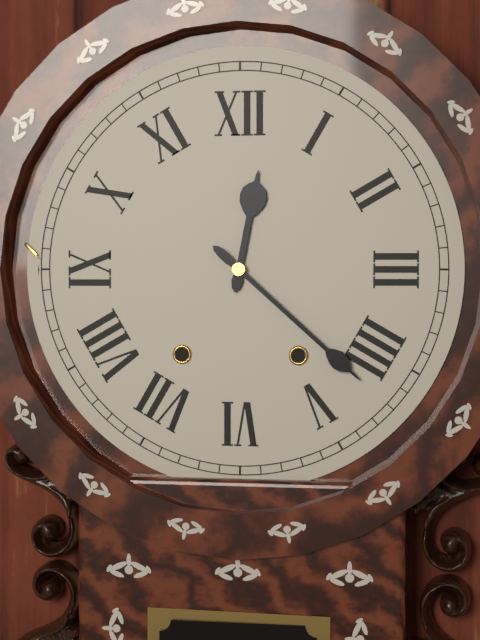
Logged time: 12 h 22 min
